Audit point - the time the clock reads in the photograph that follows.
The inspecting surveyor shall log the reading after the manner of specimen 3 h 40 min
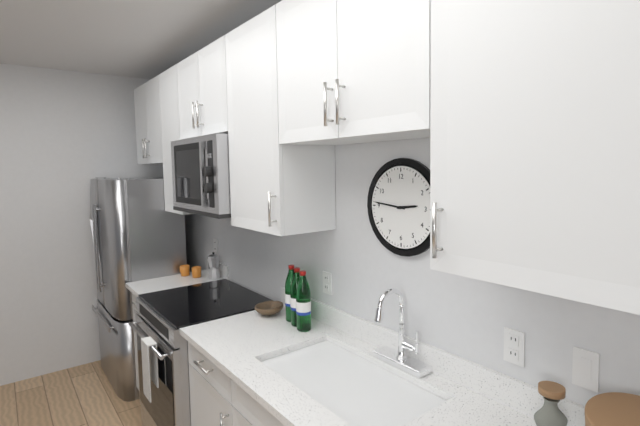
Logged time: 2 h 46 min
